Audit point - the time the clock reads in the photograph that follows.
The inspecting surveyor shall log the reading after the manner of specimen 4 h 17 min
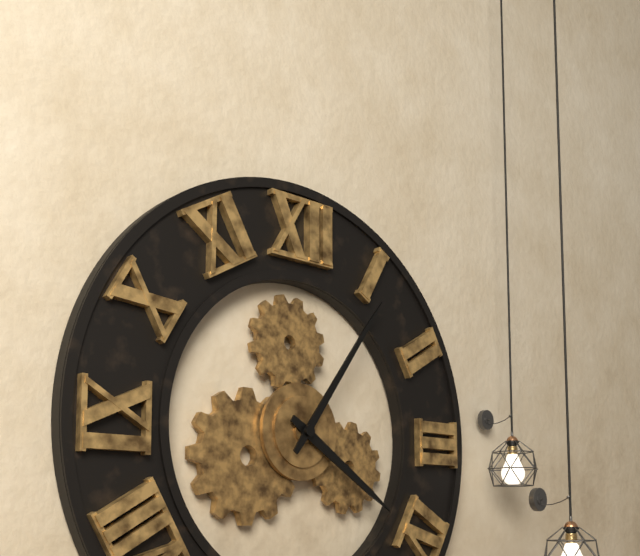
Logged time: 4 h 06 min
